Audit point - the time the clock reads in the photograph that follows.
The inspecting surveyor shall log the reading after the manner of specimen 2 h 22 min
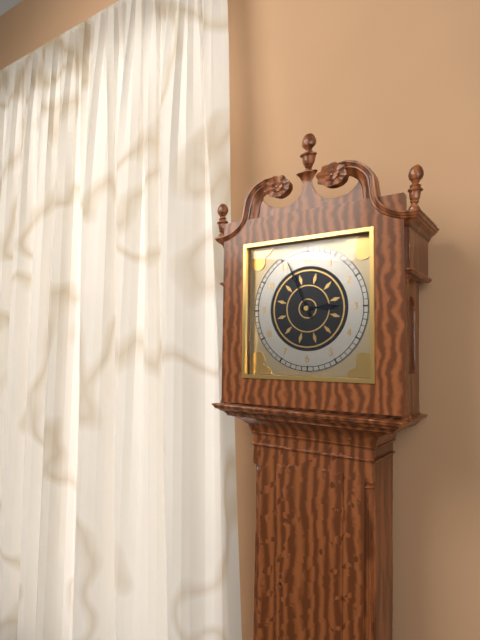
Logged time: 2 h 56 min
